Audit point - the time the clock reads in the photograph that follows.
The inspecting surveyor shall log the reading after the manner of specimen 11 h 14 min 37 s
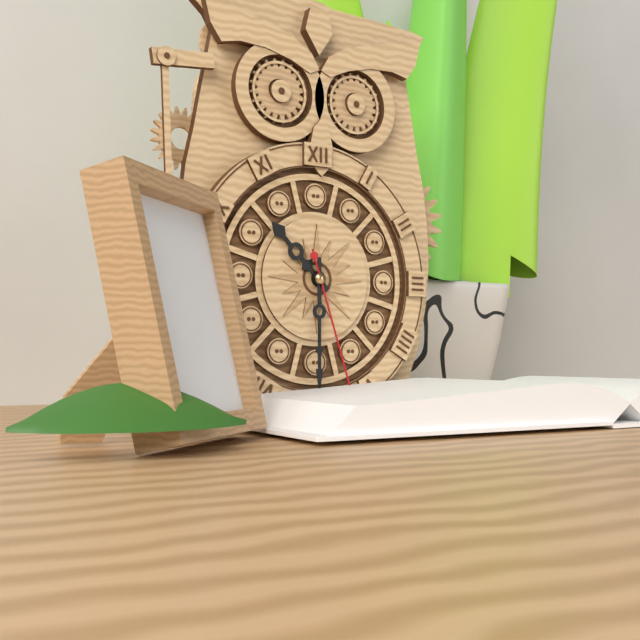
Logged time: 10 h 30 min 27 s
